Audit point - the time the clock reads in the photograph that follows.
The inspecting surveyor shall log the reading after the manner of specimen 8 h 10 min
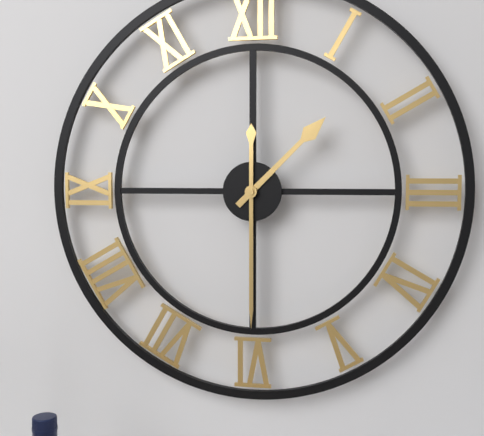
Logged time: 1 h 30 min
